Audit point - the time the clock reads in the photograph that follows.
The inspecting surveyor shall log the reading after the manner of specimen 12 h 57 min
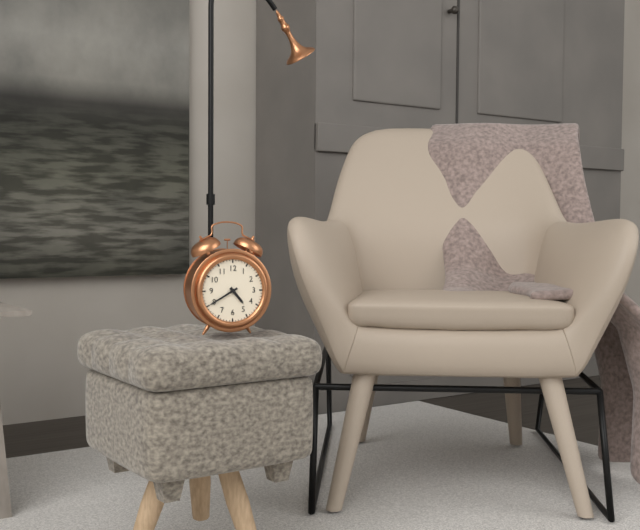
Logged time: 4 h 40 min
